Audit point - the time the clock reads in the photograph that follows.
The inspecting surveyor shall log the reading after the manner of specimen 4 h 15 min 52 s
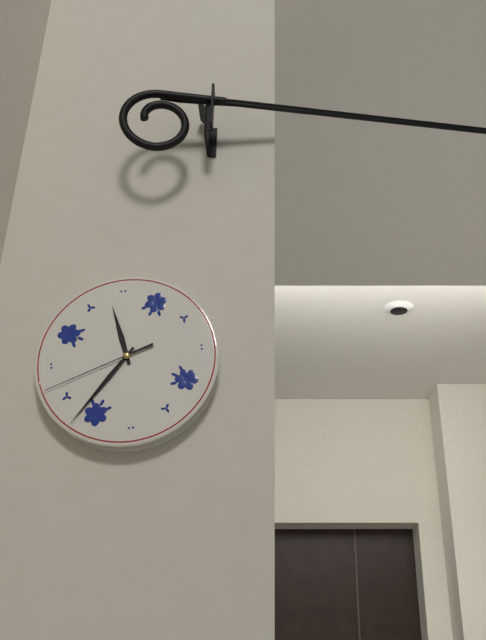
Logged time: 11 h 37 min 42 s
